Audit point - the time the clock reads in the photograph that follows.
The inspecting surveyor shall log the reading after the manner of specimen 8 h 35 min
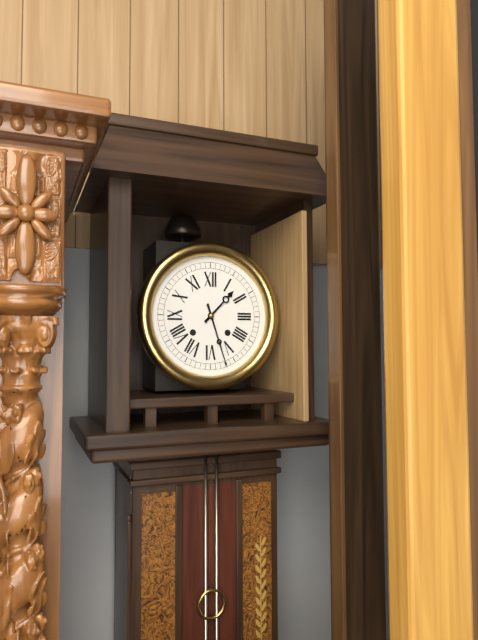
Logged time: 1 h 27 min
